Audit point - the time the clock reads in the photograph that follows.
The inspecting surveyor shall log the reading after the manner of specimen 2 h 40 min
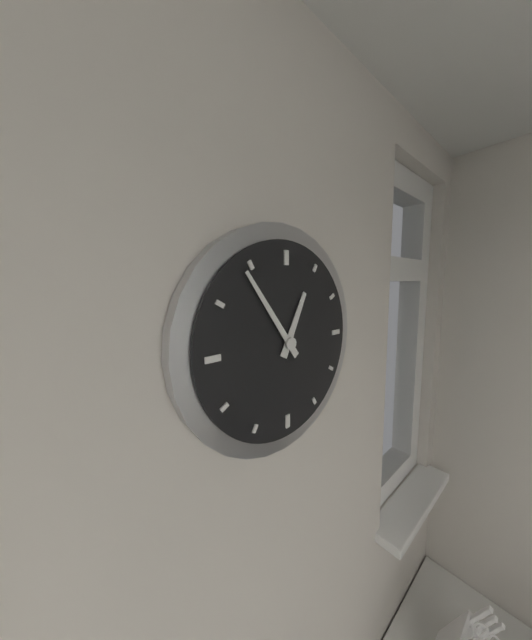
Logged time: 12 h 54 min
